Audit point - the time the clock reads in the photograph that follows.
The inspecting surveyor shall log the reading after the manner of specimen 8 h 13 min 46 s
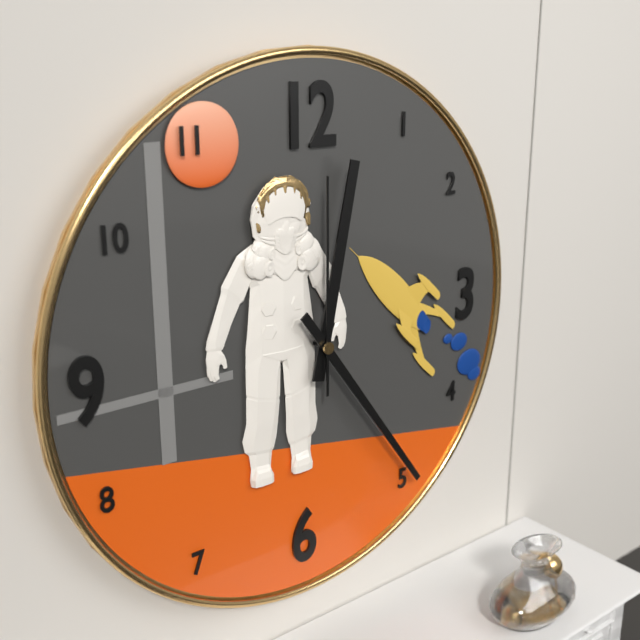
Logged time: 12 h 24 min 00 s
